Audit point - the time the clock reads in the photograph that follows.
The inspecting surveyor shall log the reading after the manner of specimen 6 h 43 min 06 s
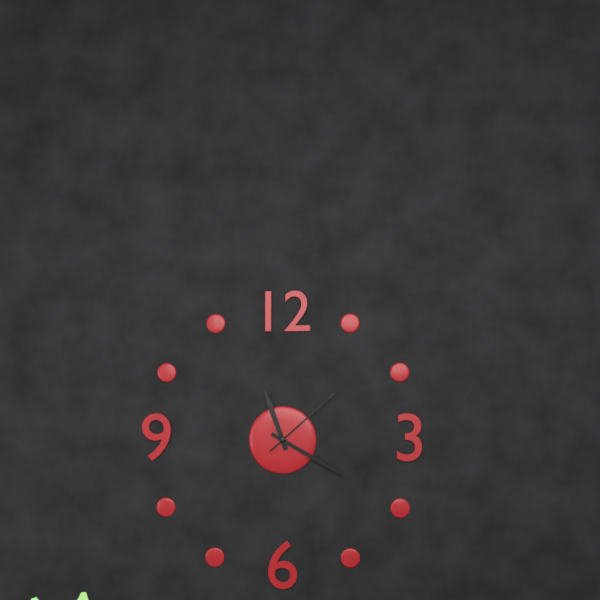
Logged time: 11 h 20 min 08 s
